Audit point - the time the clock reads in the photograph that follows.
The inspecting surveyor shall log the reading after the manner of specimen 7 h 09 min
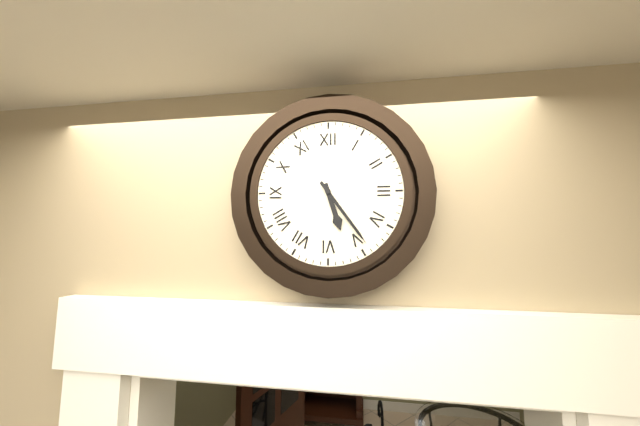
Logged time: 5 h 24 min
